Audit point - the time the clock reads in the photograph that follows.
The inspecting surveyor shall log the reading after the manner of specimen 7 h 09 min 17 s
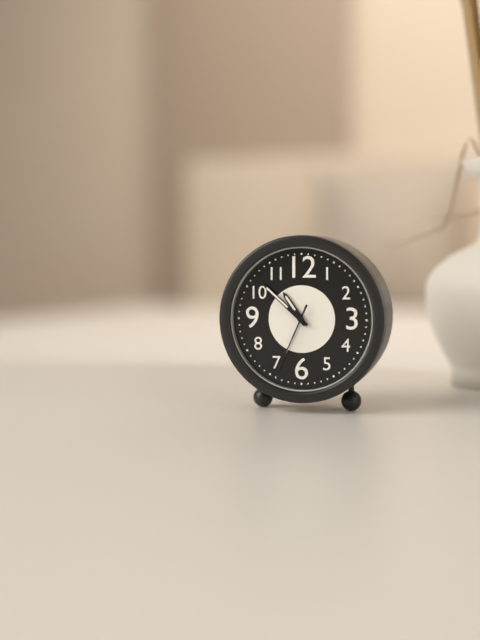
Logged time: 10 h 52 min 34 s
